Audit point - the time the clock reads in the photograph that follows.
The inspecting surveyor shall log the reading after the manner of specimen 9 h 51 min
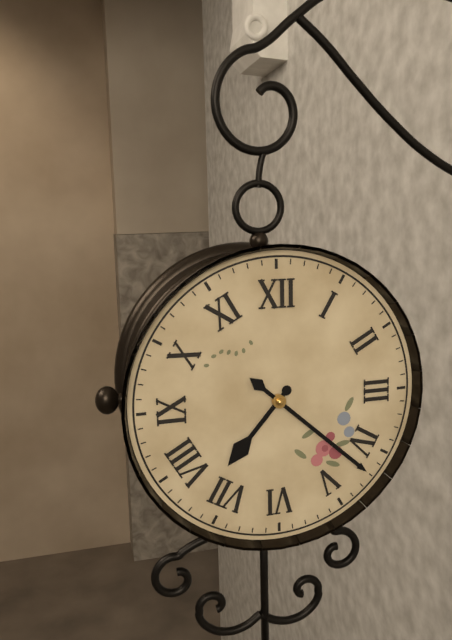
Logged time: 7 h 22 min
